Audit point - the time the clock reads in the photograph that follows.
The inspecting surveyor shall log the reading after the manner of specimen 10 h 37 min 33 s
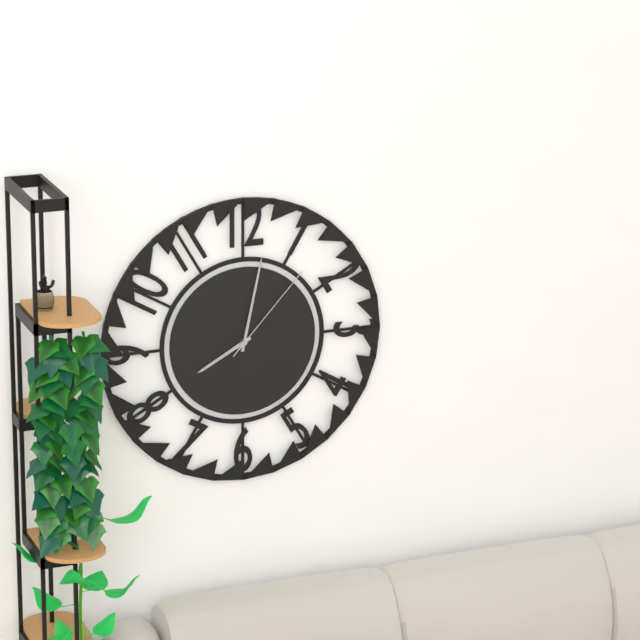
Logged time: 8 h 02 min 07 s
